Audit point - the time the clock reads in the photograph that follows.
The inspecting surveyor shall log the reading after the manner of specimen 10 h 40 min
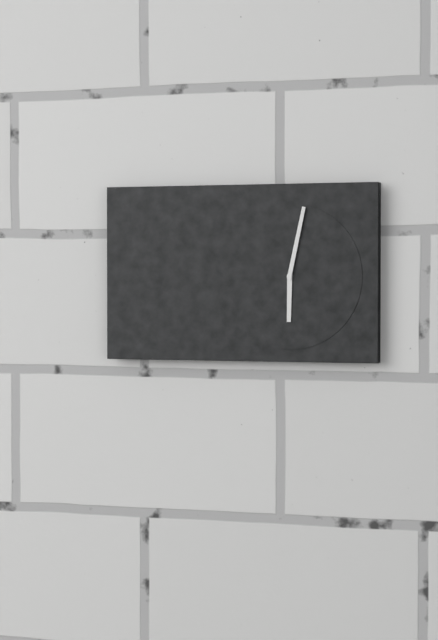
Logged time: 6 h 02 min
